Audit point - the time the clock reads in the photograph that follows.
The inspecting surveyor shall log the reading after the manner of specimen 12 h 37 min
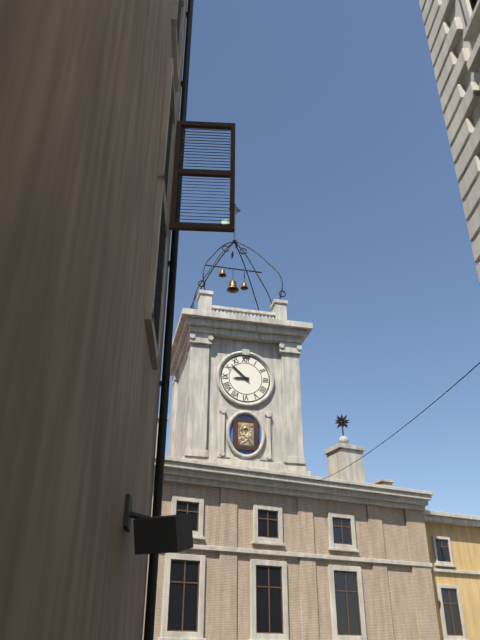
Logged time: 8 h 52 min
